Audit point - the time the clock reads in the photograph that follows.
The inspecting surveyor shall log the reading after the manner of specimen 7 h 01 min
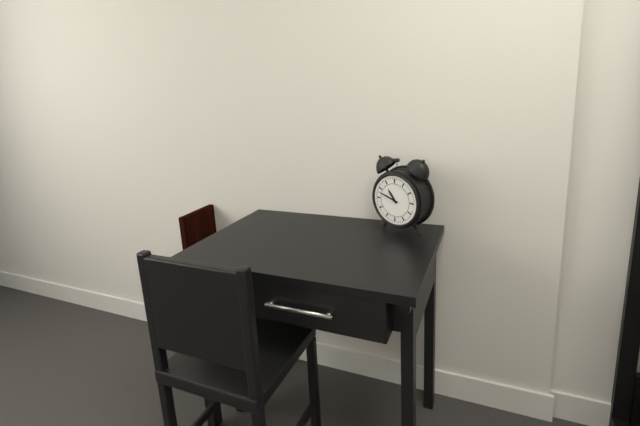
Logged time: 10 h 48 min
